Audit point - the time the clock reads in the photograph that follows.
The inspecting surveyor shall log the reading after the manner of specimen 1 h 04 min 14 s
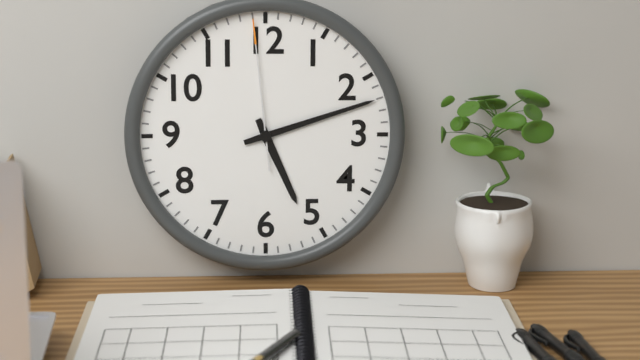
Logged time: 5 h 12 min 59 s
